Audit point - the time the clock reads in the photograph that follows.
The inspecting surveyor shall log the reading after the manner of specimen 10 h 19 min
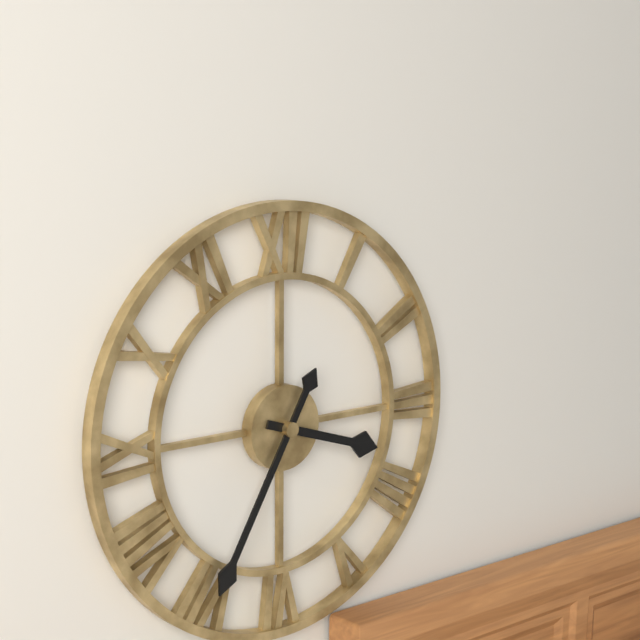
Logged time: 3 h 35 min
